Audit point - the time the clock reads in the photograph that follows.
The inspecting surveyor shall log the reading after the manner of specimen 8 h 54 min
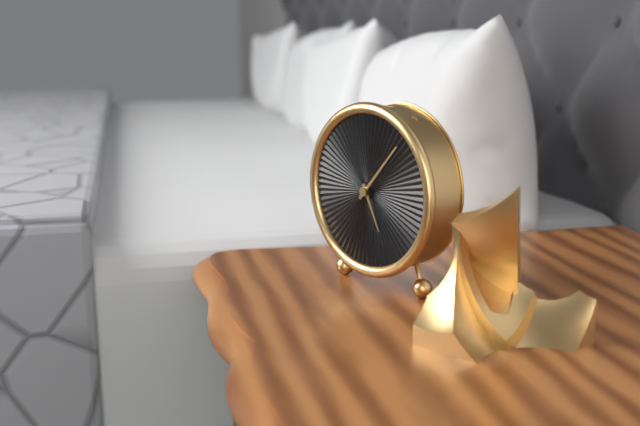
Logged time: 5 h 07 min
